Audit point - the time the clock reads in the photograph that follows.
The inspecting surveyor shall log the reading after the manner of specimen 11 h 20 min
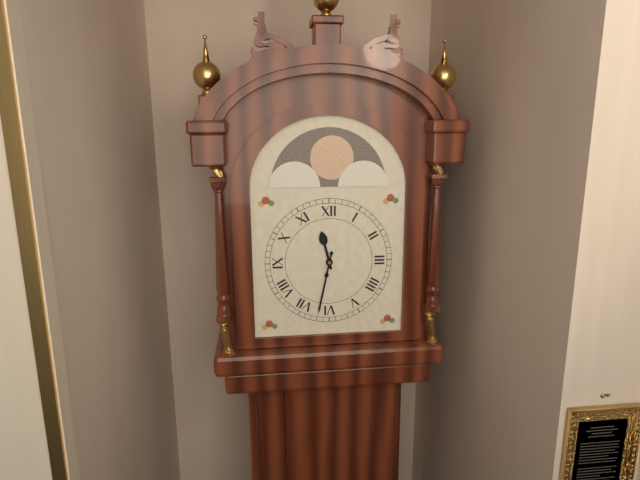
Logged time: 11 h 32 min
